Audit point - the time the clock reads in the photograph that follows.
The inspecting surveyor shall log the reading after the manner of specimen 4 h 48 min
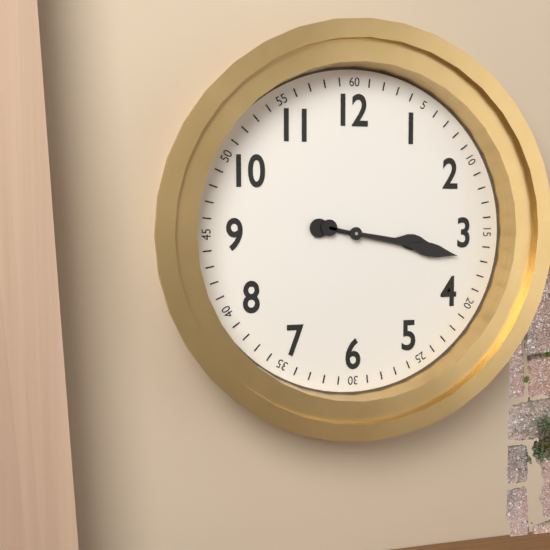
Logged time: 3 h 17 min
